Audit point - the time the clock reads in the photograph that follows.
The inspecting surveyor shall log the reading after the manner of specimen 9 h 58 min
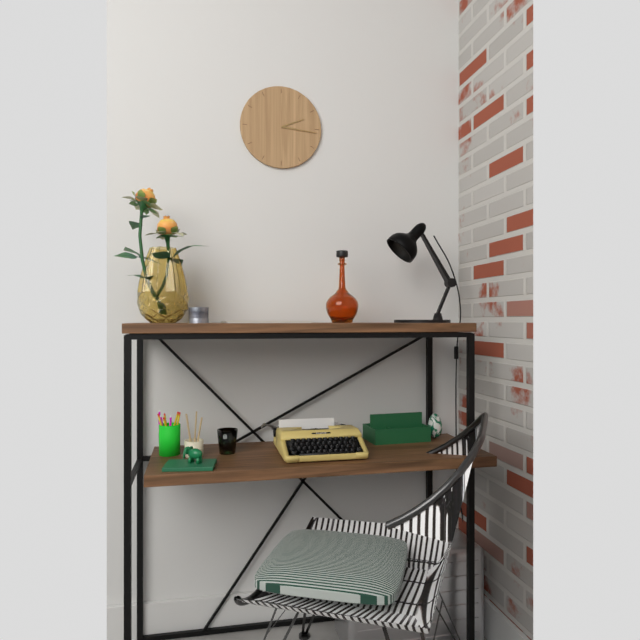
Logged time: 2 h 16 min
